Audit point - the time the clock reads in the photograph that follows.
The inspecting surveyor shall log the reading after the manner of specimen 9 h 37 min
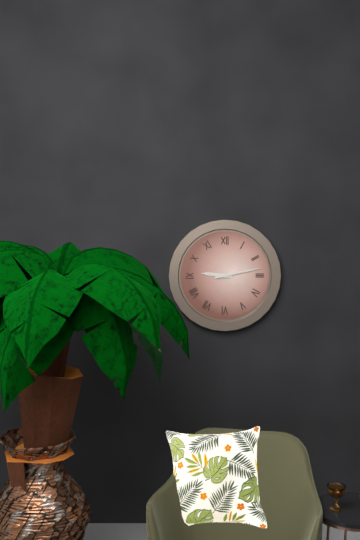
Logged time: 9 h 13 min
